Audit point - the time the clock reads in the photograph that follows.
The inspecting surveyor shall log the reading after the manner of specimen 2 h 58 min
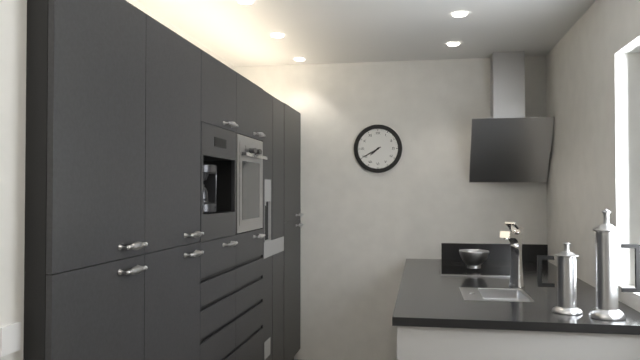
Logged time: 7 h 40 min
